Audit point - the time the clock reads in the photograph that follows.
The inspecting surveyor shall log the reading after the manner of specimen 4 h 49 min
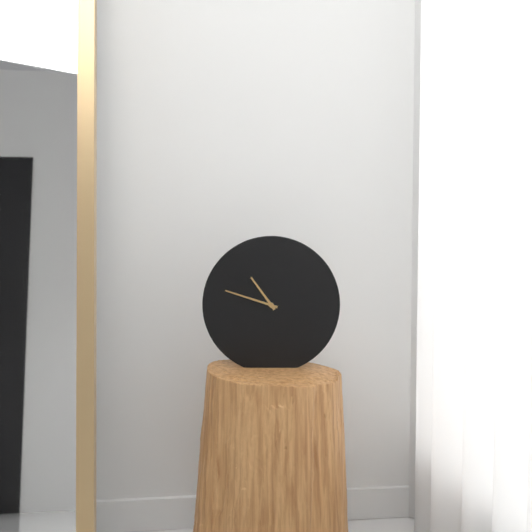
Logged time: 10 h 48 min
